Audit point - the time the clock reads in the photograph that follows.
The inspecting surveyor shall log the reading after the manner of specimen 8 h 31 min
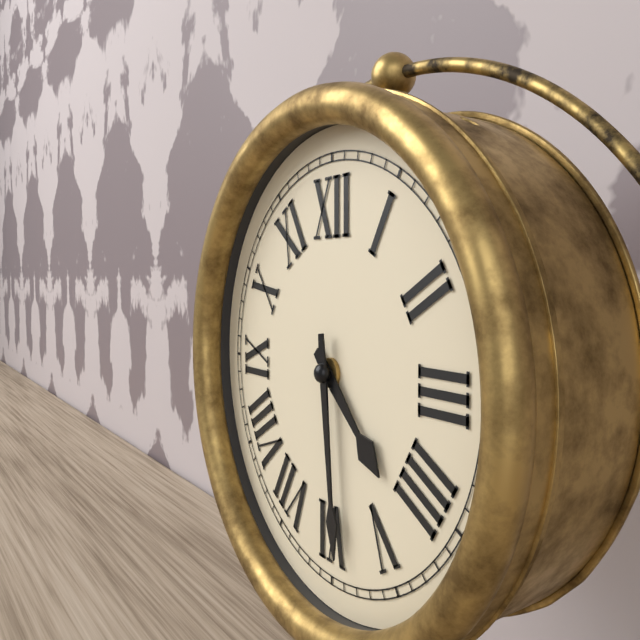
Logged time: 4 h 29 min
